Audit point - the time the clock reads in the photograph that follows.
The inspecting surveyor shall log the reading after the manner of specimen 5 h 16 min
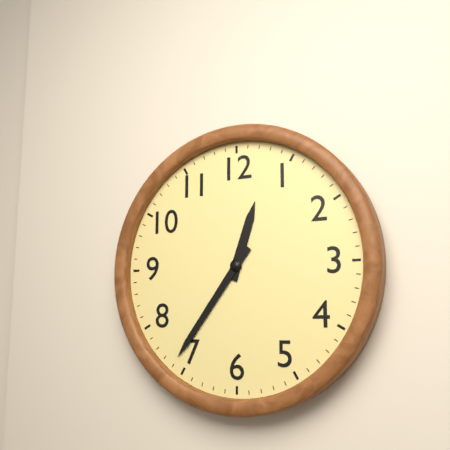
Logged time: 12 h 36 min
